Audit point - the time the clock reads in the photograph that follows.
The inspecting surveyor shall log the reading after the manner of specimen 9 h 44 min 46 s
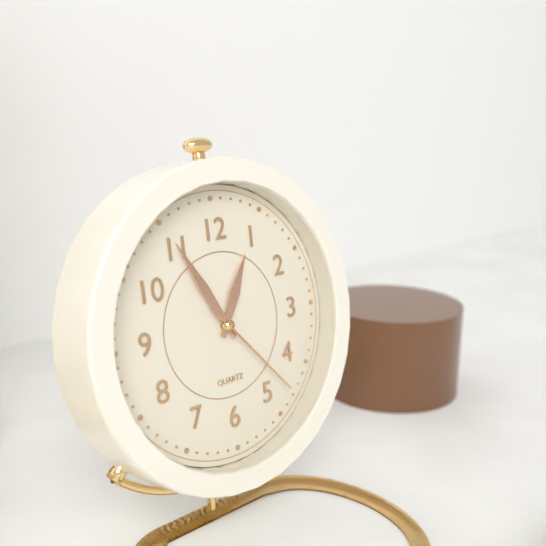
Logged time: 12 h 55 min 23 s
